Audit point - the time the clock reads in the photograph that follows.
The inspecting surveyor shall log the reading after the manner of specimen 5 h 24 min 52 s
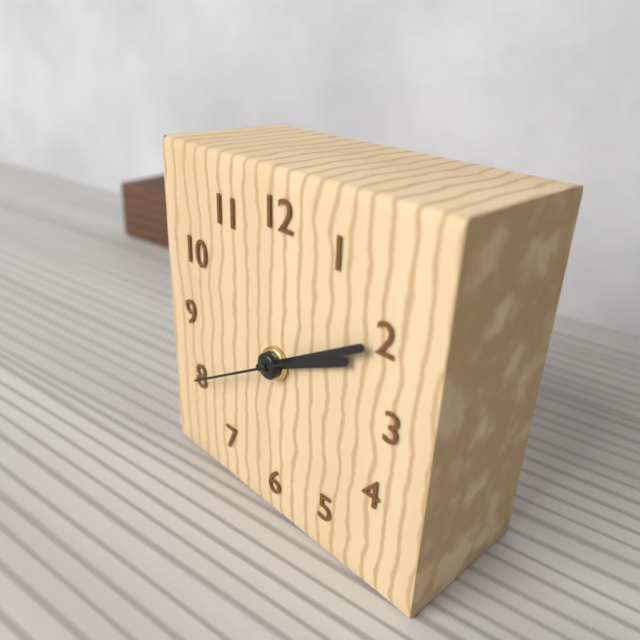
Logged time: 2 h 10 min 40 s
